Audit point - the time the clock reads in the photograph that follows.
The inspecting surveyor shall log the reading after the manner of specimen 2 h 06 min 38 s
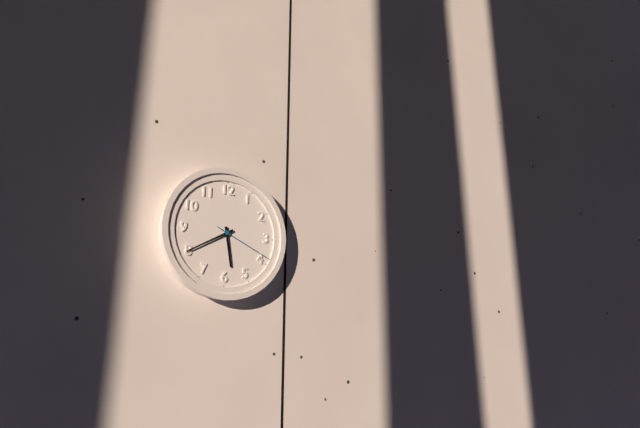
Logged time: 5 h 40 min 19 s
